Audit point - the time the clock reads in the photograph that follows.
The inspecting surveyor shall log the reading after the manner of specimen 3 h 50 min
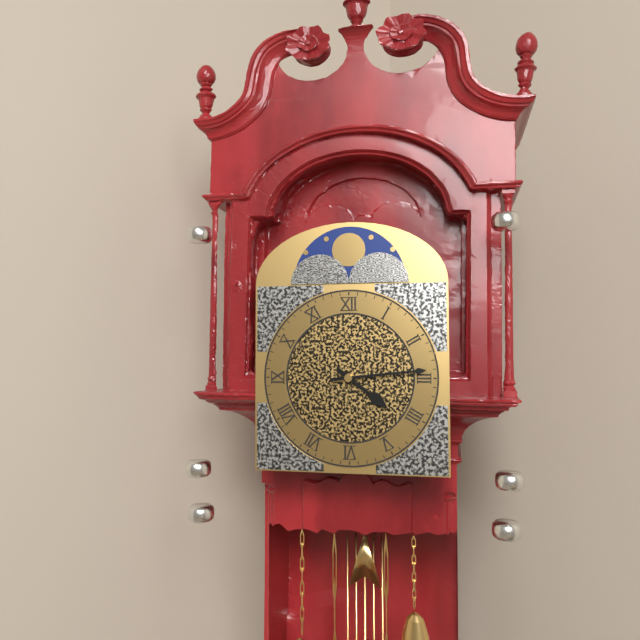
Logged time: 4 h 14 min
